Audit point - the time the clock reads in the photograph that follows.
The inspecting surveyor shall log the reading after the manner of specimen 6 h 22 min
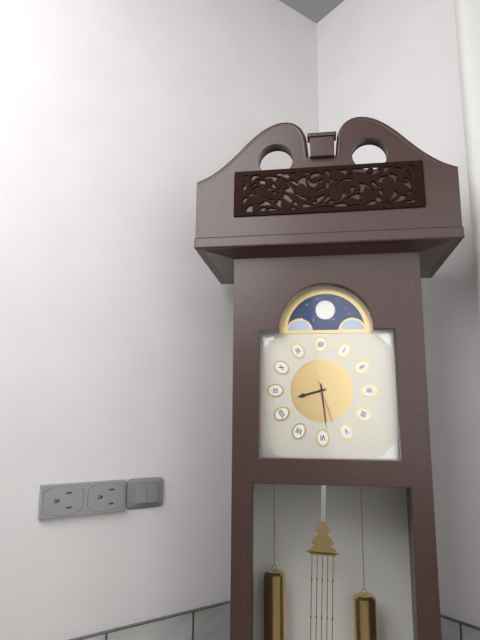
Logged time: 8 h 29 min
